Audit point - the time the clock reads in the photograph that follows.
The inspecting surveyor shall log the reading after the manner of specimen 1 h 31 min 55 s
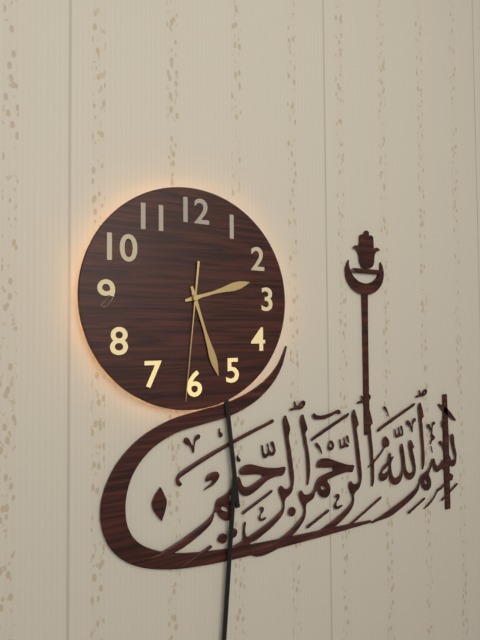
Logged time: 2 h 27 min 31 s
